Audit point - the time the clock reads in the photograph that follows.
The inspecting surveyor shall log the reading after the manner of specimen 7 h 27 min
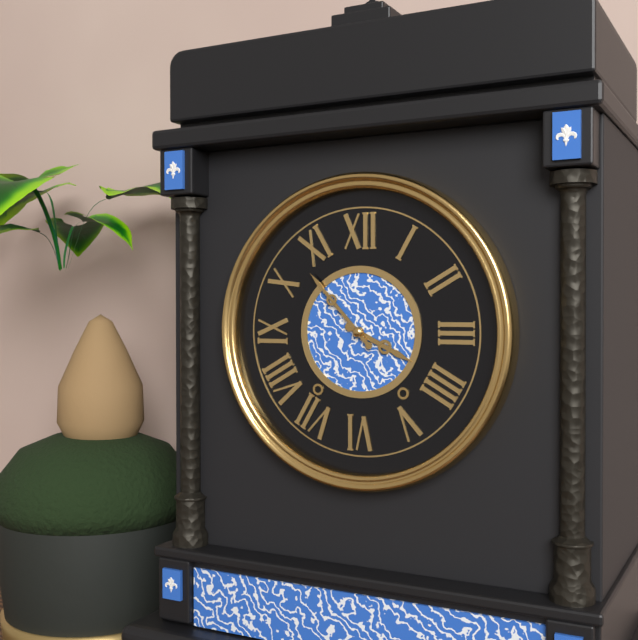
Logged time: 3 h 53 min
